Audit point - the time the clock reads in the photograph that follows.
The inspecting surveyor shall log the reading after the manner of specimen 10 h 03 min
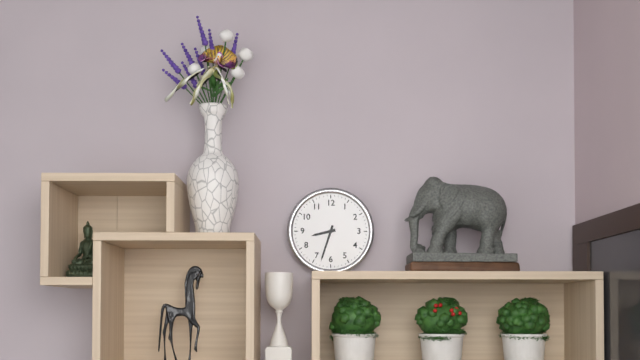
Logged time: 8 h 33 min
